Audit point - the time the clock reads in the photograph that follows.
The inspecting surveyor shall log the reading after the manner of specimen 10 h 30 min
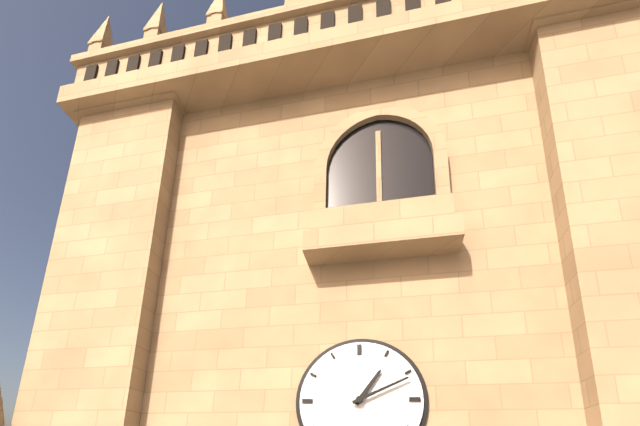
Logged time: 1 h 11 min
